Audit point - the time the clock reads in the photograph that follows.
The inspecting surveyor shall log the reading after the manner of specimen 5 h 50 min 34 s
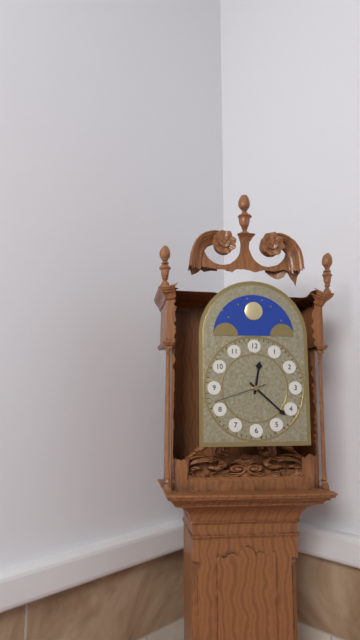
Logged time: 12 h 22 min 42 s
